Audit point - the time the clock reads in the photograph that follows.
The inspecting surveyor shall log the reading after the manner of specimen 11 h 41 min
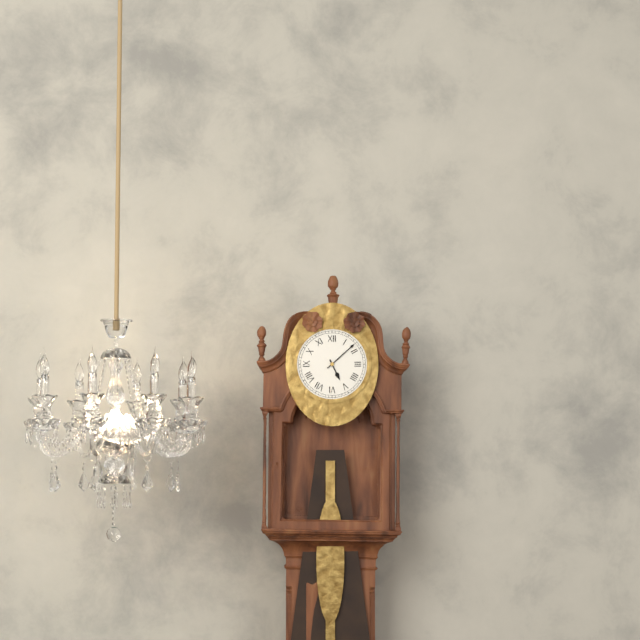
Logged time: 5 h 08 min
